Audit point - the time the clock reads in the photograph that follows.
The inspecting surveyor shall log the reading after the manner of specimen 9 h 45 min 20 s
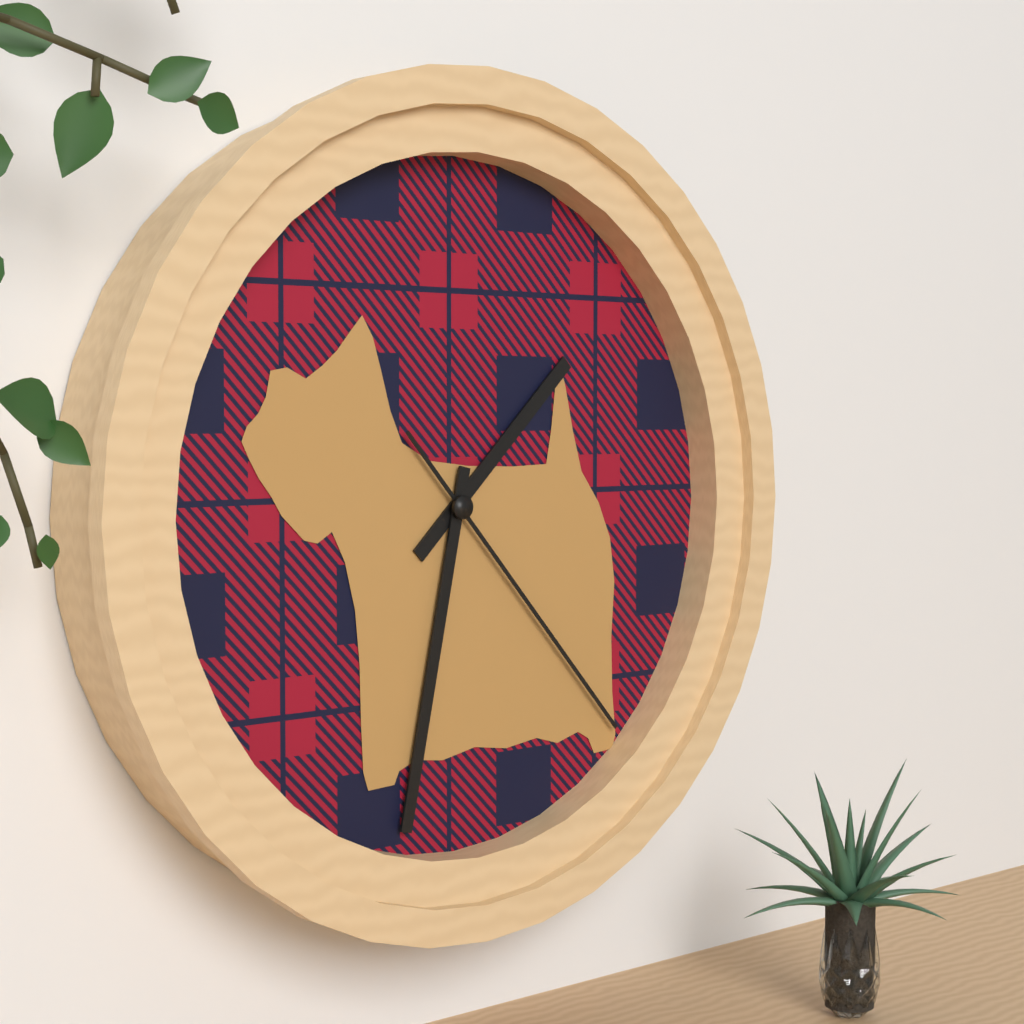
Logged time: 1 h 32 min 23 s
